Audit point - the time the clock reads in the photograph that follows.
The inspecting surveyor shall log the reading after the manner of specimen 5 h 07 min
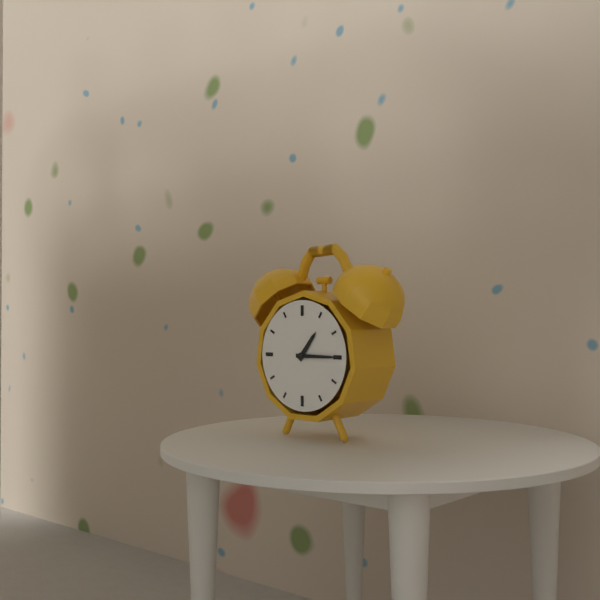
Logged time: 1 h 15 min
